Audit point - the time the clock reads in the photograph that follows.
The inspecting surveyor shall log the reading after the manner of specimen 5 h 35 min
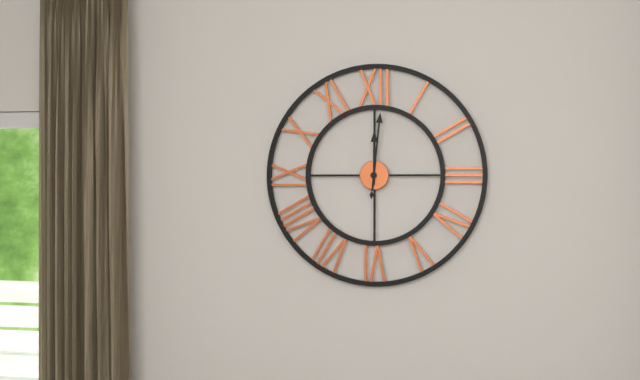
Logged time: 12 h 01 min
